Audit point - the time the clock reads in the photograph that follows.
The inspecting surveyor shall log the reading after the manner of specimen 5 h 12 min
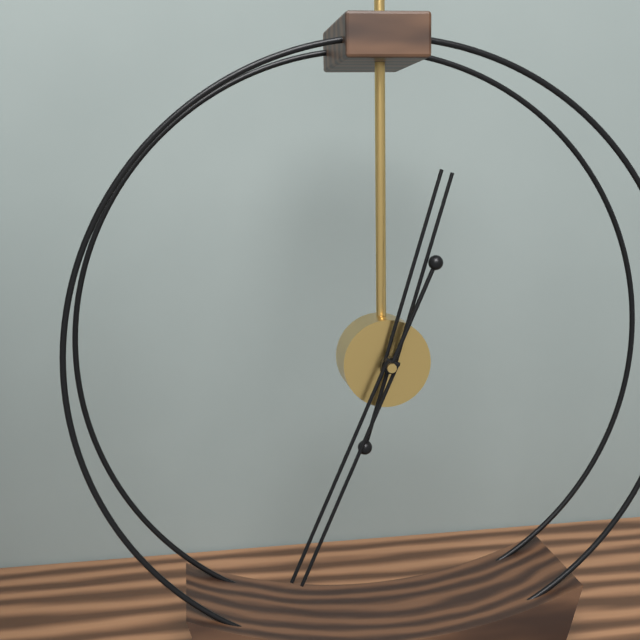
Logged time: 12 h 34 min
